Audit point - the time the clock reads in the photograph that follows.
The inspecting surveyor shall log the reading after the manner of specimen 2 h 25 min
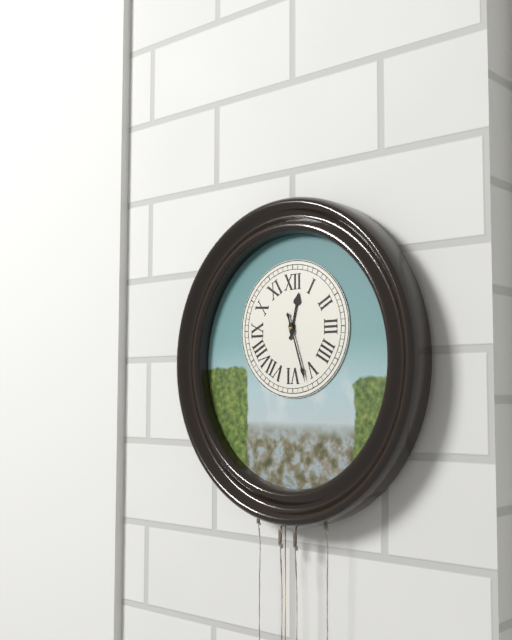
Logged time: 12 h 27 min
